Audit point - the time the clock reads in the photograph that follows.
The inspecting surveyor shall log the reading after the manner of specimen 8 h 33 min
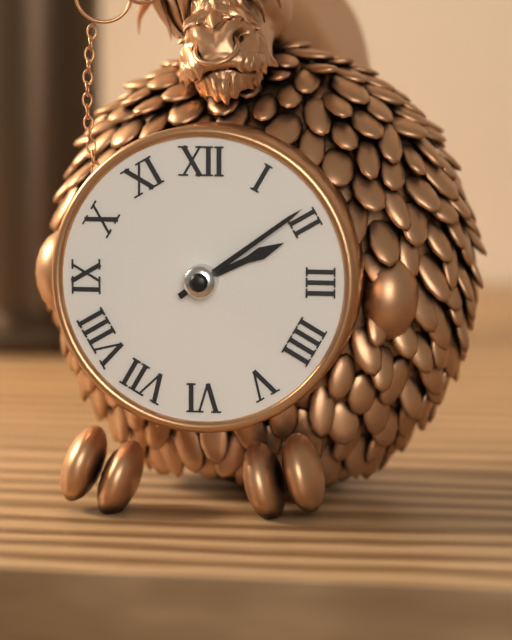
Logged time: 2 h 09 min
